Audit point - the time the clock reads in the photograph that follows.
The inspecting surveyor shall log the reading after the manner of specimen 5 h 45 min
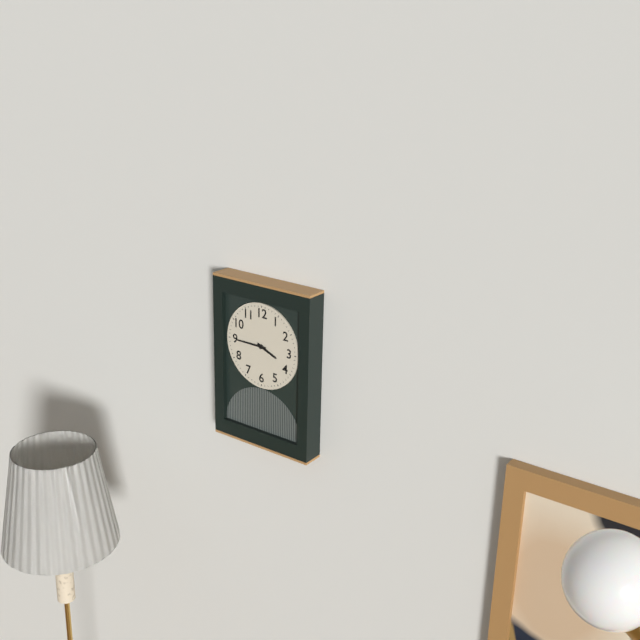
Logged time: 3 h 45 min
